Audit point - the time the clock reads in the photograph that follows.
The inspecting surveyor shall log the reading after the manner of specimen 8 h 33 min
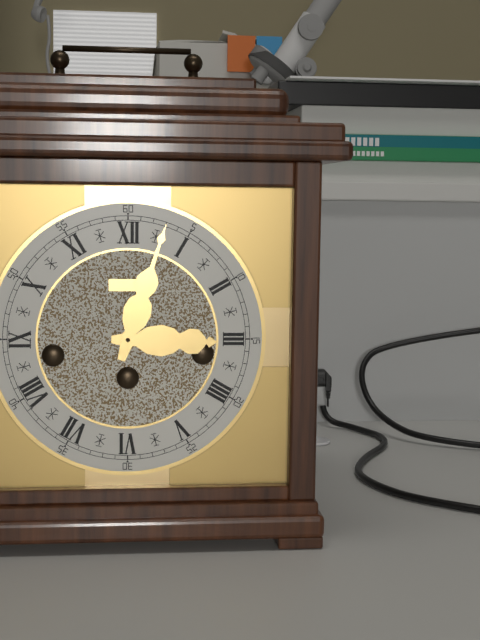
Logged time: 3 h 03 min
